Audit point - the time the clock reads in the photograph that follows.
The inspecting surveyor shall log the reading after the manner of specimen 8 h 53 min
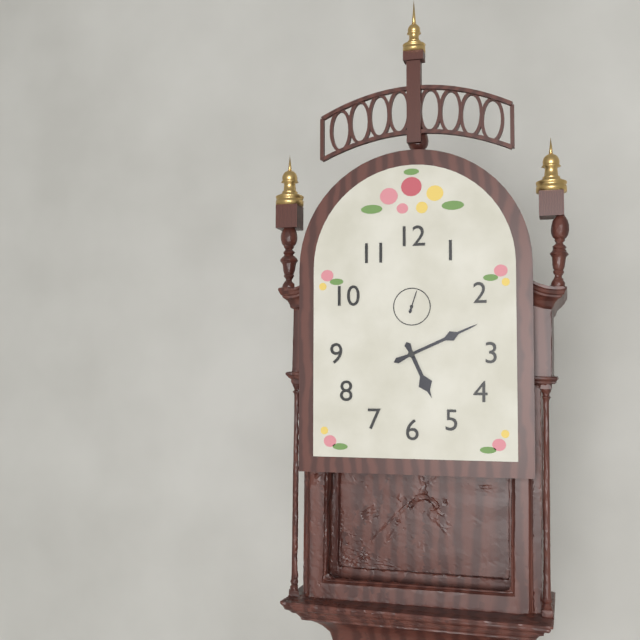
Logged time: 5 h 11 min
